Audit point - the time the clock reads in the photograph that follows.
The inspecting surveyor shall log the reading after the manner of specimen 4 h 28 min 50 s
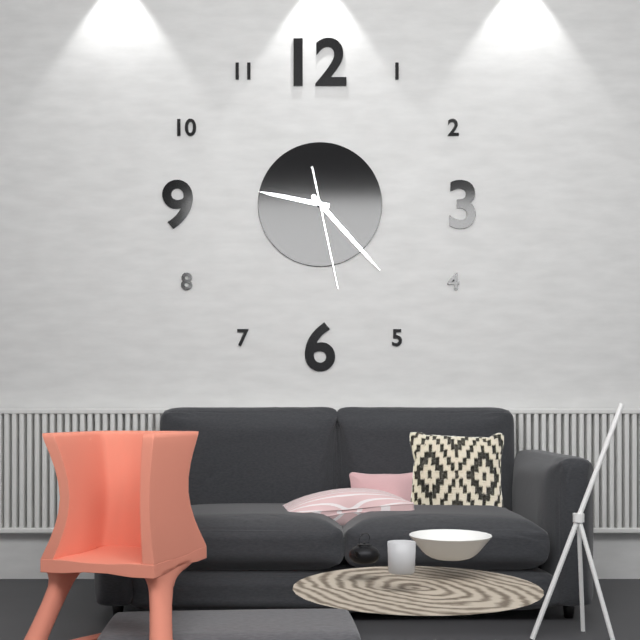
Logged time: 9 h 23 min 28 s
